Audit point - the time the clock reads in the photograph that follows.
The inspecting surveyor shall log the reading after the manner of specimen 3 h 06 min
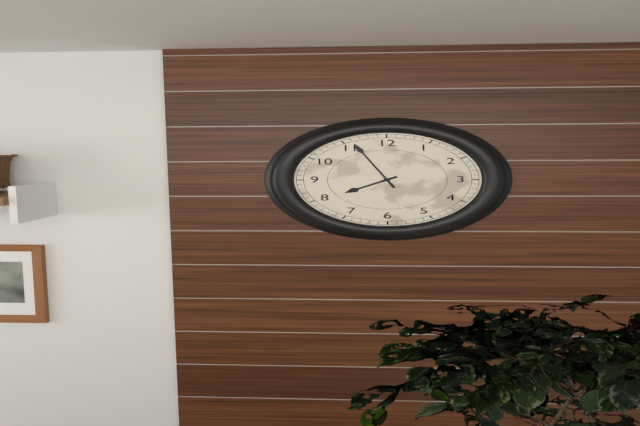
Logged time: 7 h 56 min
